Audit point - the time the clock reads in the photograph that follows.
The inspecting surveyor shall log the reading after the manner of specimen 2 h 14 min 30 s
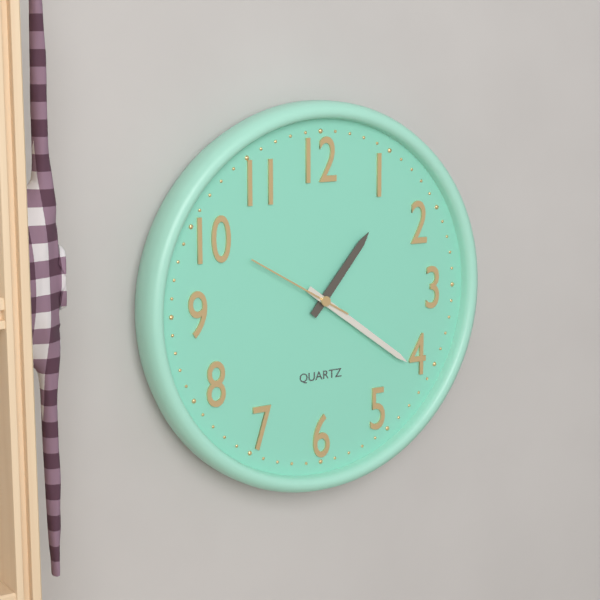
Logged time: 1 h 21 min 50 s
